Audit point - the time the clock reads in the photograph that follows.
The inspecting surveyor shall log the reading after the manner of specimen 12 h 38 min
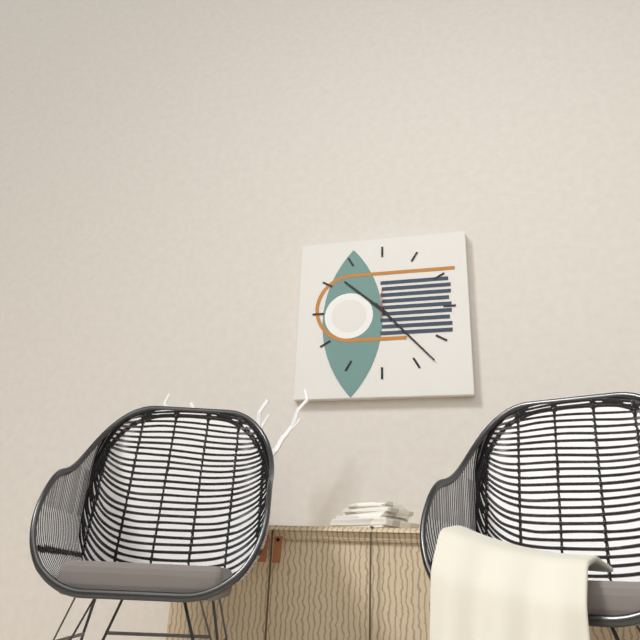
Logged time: 10 h 23 min
